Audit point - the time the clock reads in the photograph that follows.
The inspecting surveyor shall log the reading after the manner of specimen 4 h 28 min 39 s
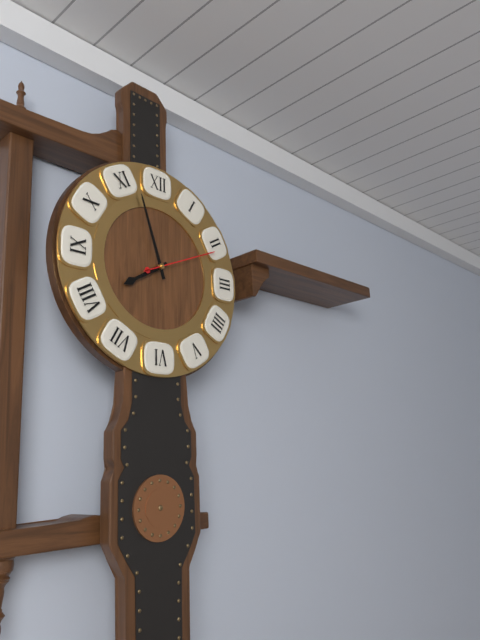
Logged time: 7 h 57 min 11 s
